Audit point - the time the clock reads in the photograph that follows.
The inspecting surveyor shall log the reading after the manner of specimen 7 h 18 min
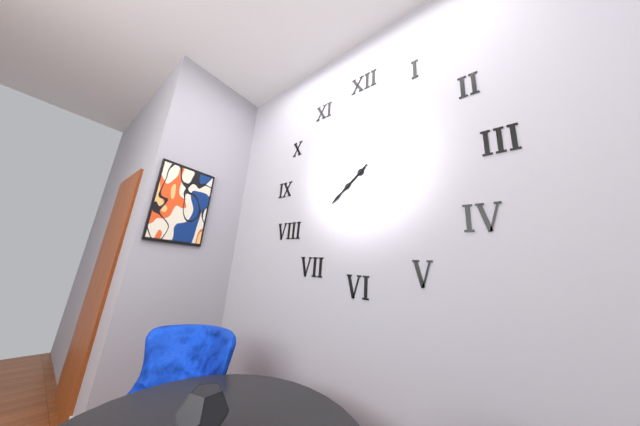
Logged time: 7 h 38 min
